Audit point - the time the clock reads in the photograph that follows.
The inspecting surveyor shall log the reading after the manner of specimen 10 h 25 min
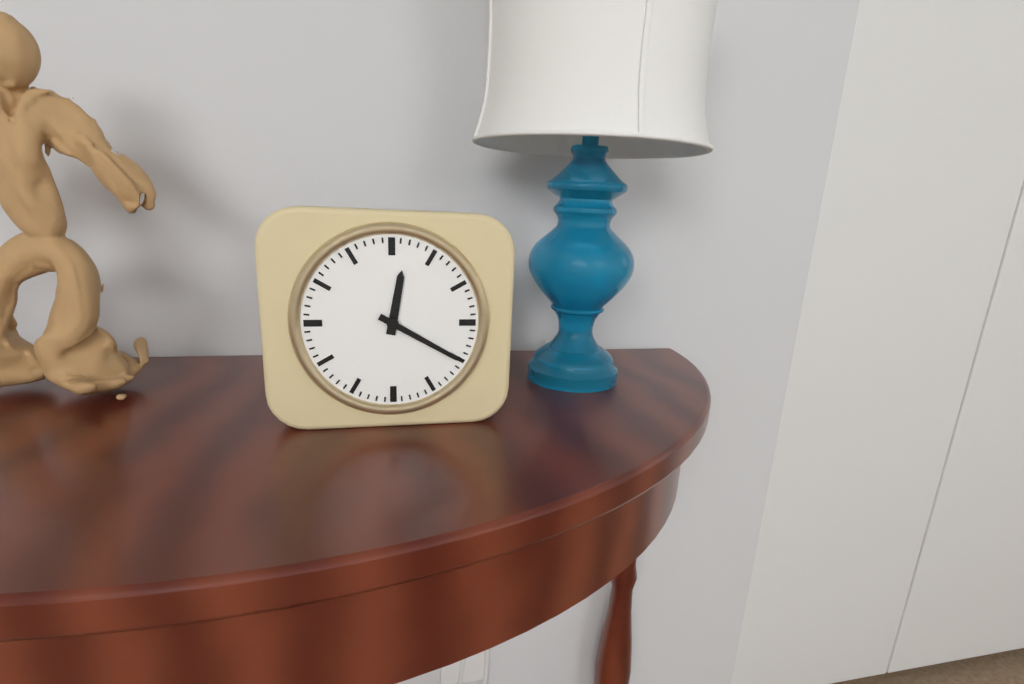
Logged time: 12 h 20 min
